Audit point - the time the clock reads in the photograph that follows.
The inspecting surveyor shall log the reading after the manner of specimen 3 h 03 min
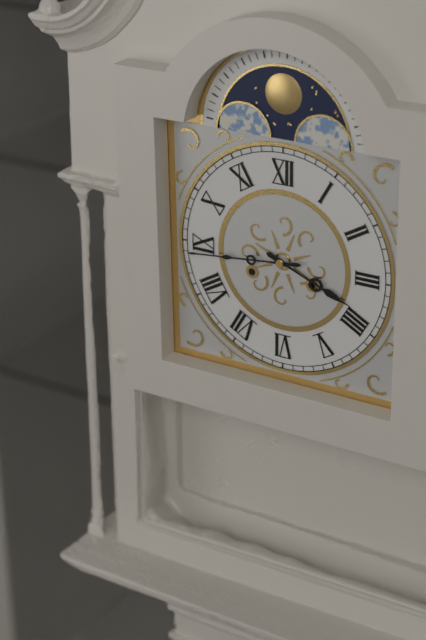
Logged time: 3 h 44 min
